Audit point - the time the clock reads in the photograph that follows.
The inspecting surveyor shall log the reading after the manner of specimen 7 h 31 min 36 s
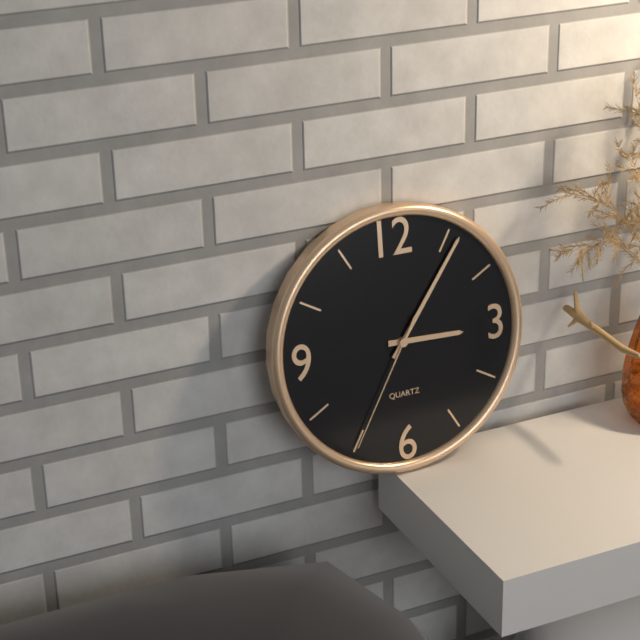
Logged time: 3 h 06 min 35 s
